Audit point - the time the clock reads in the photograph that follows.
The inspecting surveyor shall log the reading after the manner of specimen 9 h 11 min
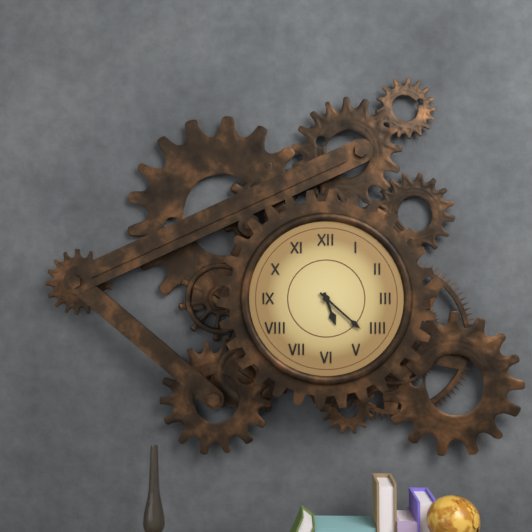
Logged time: 5 h 22 min
